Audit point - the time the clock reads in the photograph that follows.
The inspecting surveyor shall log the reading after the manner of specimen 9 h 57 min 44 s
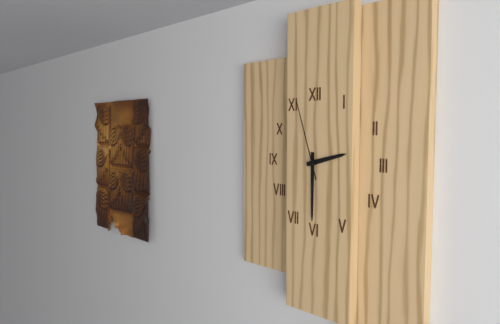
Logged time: 2 h 30 min 57 s
